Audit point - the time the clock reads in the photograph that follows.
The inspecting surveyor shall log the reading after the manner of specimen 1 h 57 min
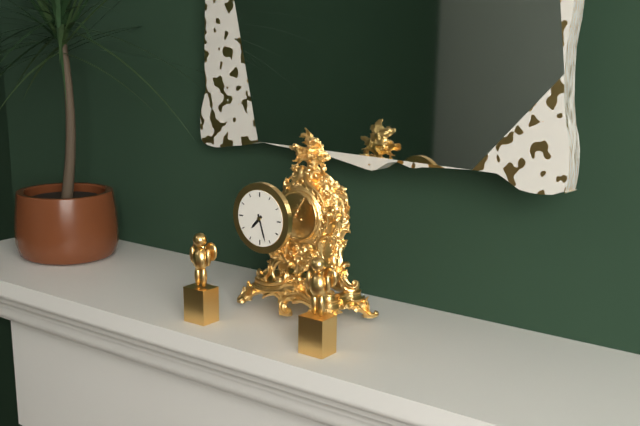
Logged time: 7 h 27 min
